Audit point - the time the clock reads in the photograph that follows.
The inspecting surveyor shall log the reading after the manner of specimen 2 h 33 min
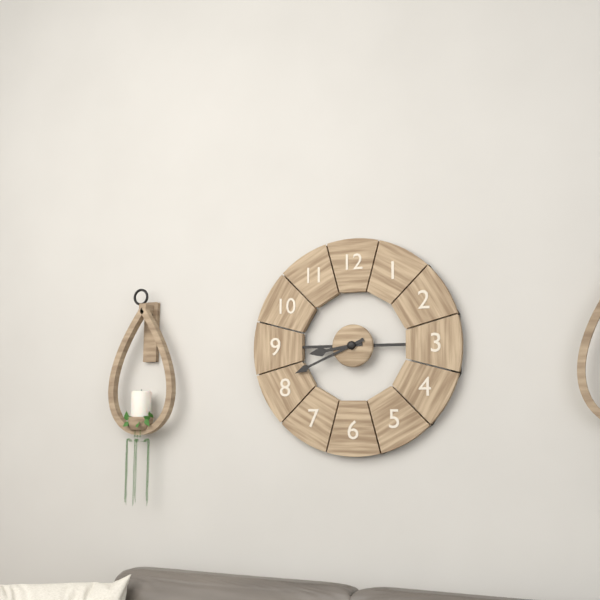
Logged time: 8 h 41 min
